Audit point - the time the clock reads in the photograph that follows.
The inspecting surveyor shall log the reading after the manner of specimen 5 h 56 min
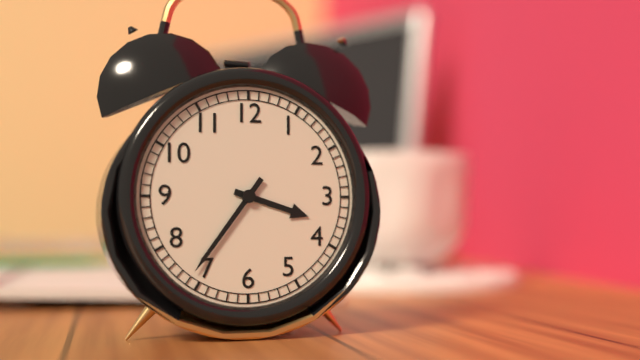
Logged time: 3 h 36 min
